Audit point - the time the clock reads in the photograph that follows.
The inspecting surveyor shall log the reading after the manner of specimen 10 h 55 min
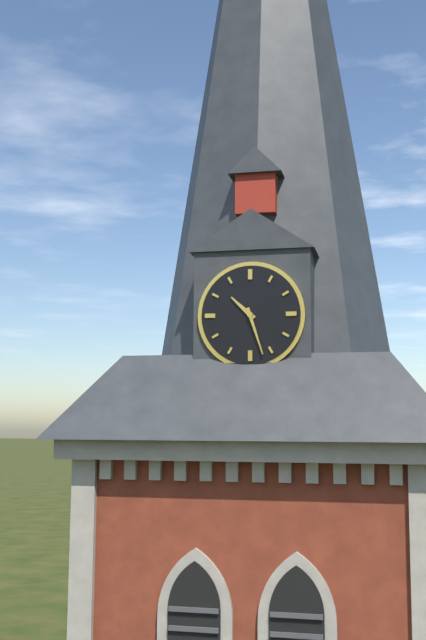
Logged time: 10 h 27 min
